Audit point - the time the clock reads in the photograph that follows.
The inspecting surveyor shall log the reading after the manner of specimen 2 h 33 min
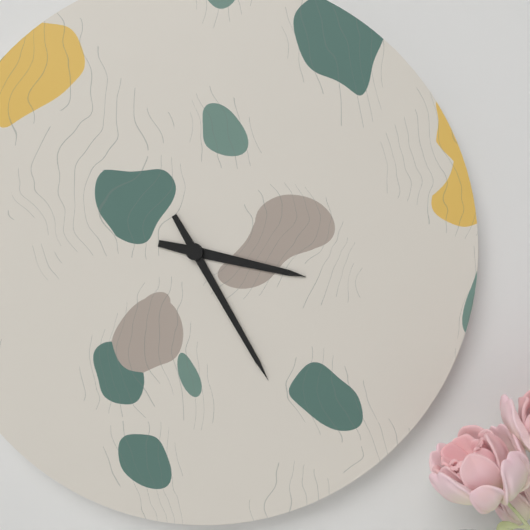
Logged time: 3 h 25 min
